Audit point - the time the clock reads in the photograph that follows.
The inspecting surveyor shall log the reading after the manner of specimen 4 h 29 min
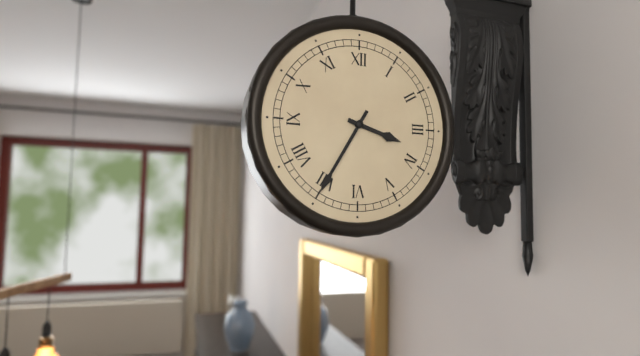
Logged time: 3 h 35 min
